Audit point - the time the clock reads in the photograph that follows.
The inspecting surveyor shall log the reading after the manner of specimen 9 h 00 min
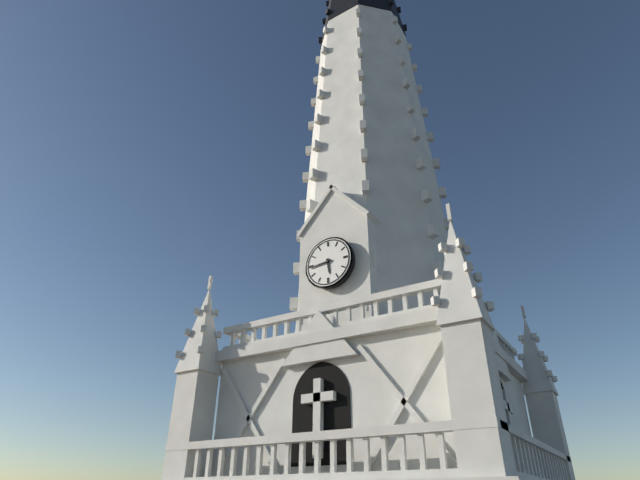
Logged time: 5 h 44 min
